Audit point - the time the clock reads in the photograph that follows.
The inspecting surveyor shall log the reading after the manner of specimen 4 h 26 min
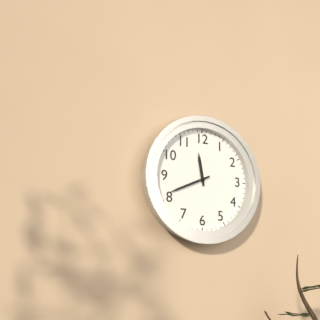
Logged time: 11 h 41 min
